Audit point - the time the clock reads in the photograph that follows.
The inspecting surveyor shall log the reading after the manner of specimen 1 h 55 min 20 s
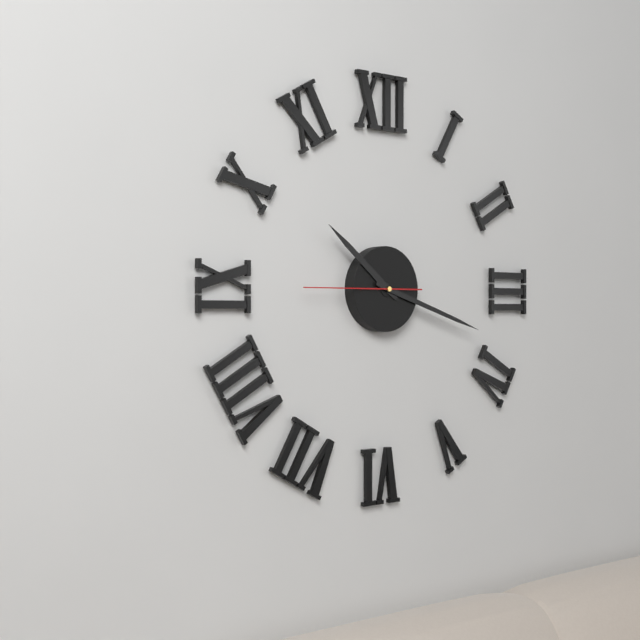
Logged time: 10 h 18 min 45 s
